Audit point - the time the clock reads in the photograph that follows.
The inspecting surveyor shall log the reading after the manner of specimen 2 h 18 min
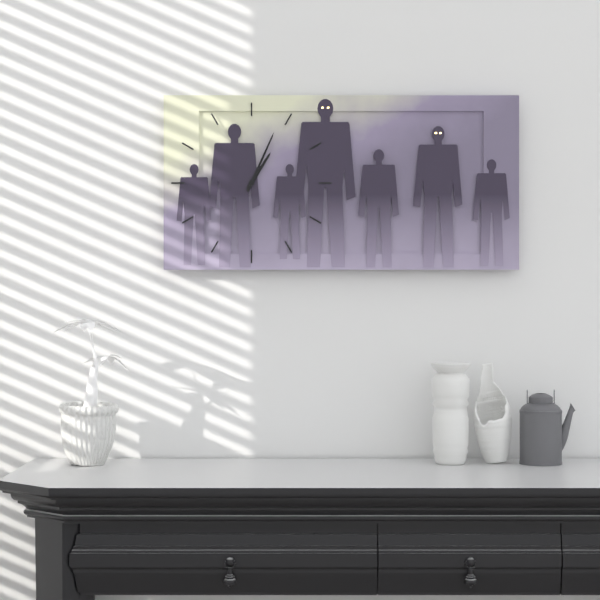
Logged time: 1 h 04 min
